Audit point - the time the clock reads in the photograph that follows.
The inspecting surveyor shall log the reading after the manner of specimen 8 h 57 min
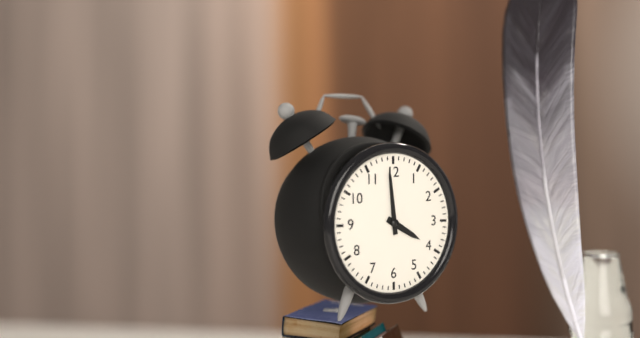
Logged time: 3 h 59 min
